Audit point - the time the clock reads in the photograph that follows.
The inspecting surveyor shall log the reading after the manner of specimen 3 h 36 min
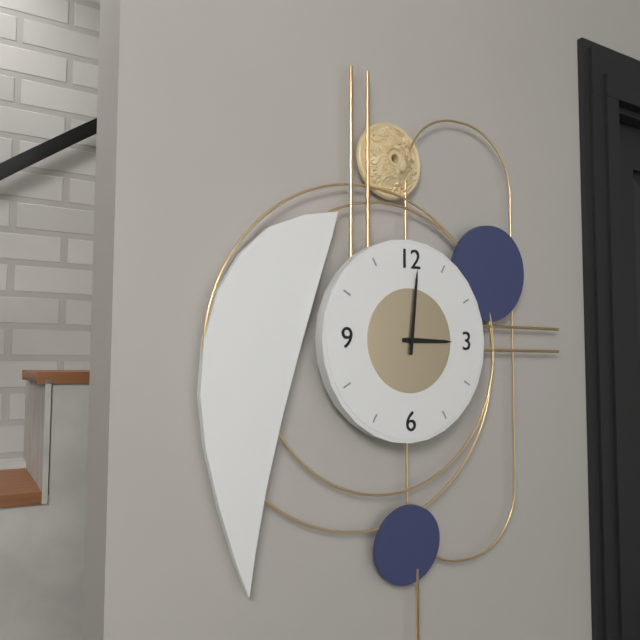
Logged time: 3 h 01 min
